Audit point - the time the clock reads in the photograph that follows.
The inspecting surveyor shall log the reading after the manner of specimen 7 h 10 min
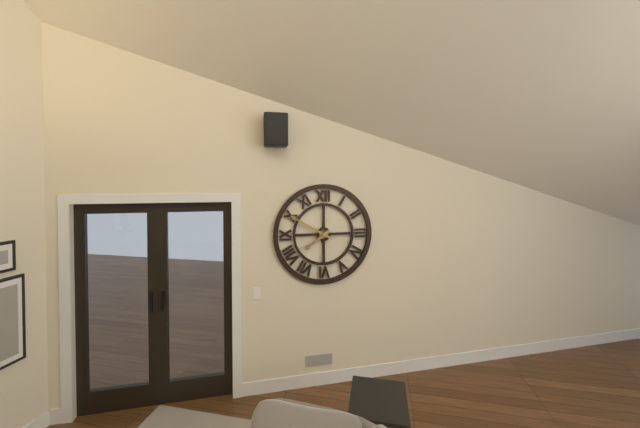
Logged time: 7 h 50 min
